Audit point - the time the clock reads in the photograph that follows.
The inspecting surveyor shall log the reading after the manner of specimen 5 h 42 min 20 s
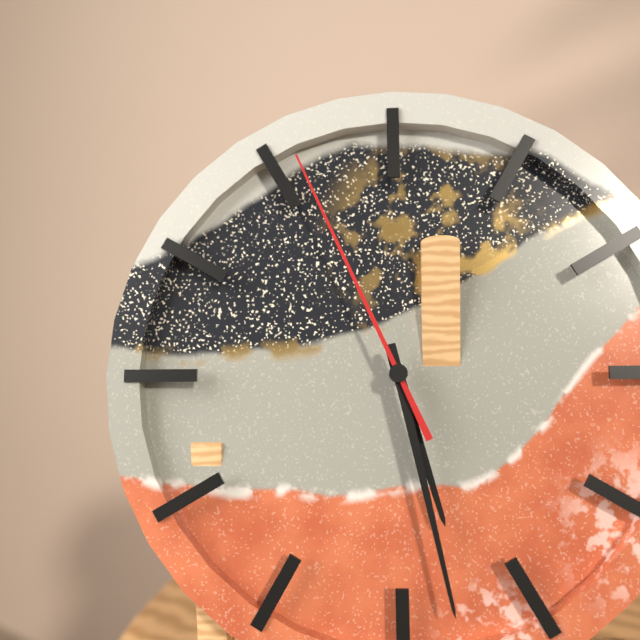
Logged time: 5 h 28 min 56 s
